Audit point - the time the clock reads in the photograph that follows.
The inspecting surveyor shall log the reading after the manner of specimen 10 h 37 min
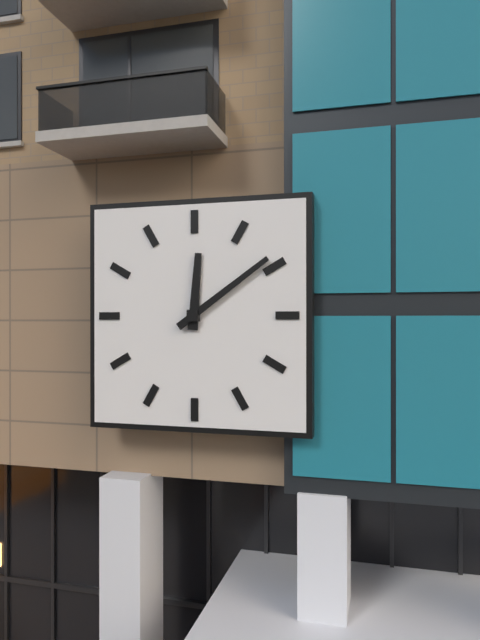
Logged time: 12 h 09 min
